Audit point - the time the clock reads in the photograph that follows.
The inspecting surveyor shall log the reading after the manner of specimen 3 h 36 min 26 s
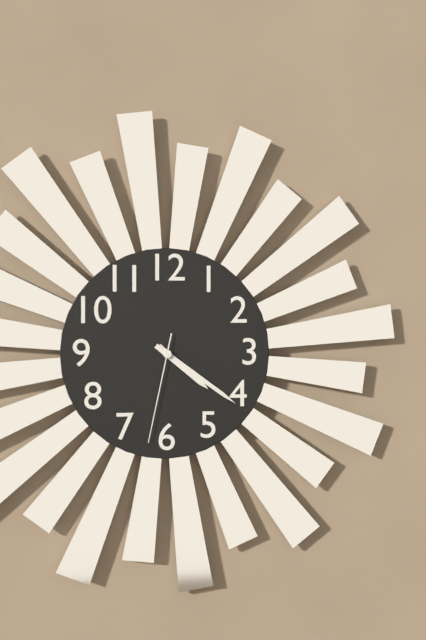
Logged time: 4 h 21 min 32 s
